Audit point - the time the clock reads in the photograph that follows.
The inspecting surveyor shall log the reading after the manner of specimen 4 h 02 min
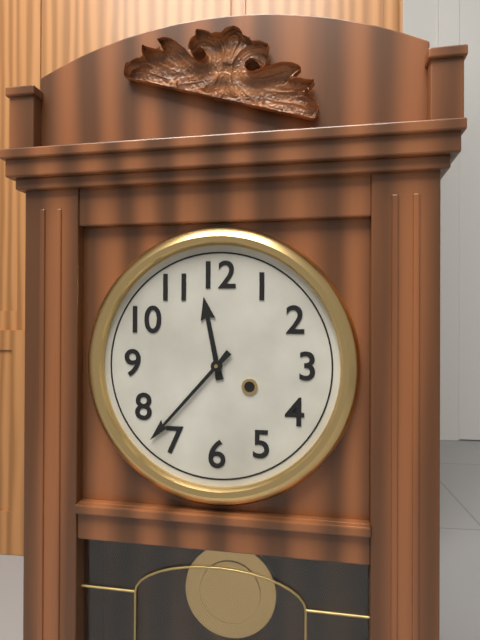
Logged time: 11 h 37 min
